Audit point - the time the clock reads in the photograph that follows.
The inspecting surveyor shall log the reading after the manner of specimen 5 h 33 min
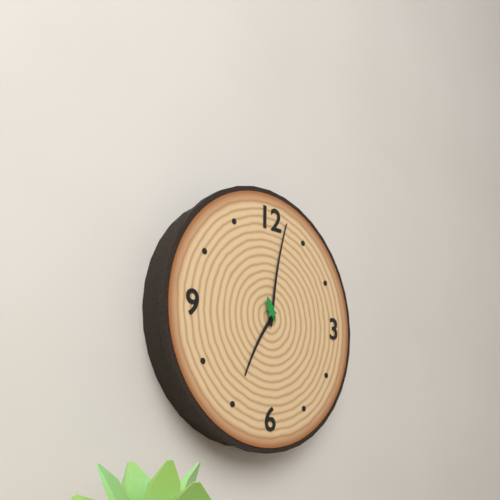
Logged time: 7 h 02 min
